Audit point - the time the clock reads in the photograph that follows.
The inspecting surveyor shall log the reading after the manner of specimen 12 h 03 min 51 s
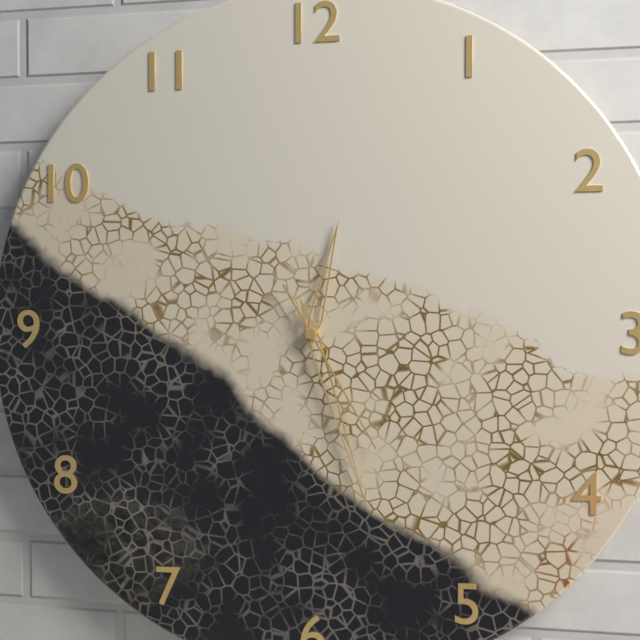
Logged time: 12 h 27 min 25 s
